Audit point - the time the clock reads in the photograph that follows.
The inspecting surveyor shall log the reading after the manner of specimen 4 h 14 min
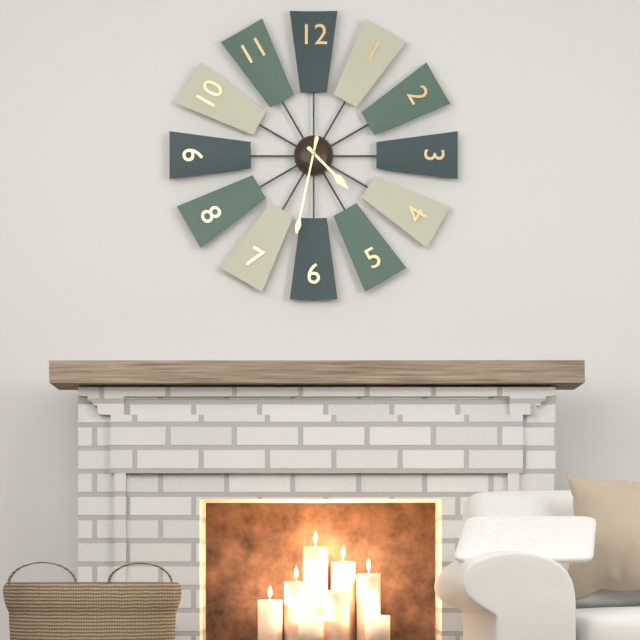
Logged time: 4 h 32 min
